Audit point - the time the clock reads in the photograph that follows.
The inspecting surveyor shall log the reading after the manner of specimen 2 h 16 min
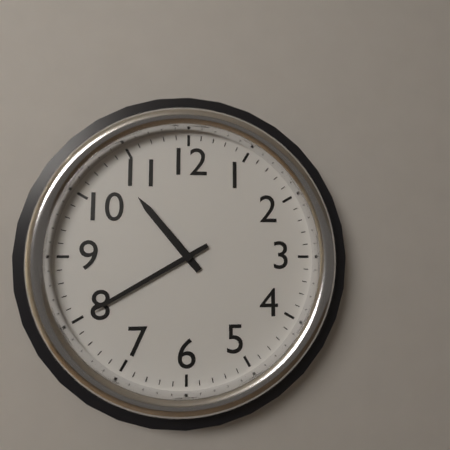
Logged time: 10 h 40 min
